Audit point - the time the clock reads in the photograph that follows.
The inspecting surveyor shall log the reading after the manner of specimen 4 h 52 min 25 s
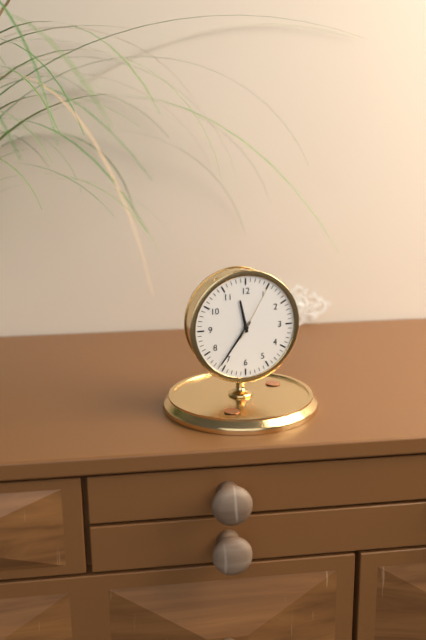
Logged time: 11 h 36 min 05 s
